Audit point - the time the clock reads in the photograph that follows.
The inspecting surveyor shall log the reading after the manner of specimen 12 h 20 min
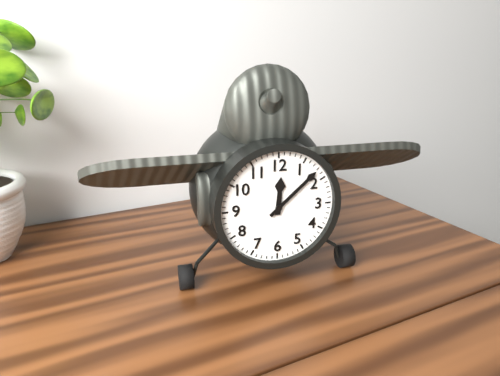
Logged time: 12 h 08 min
